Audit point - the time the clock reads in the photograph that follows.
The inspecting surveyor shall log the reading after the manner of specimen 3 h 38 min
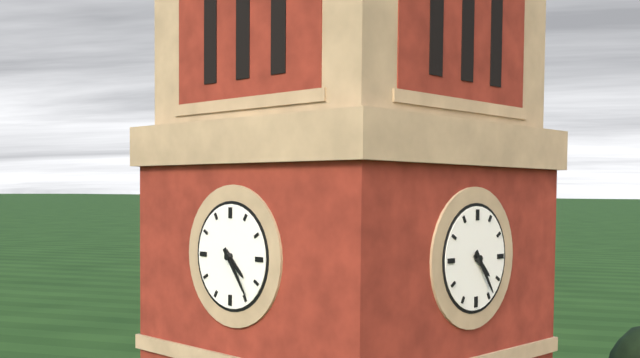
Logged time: 4 h 24 min
